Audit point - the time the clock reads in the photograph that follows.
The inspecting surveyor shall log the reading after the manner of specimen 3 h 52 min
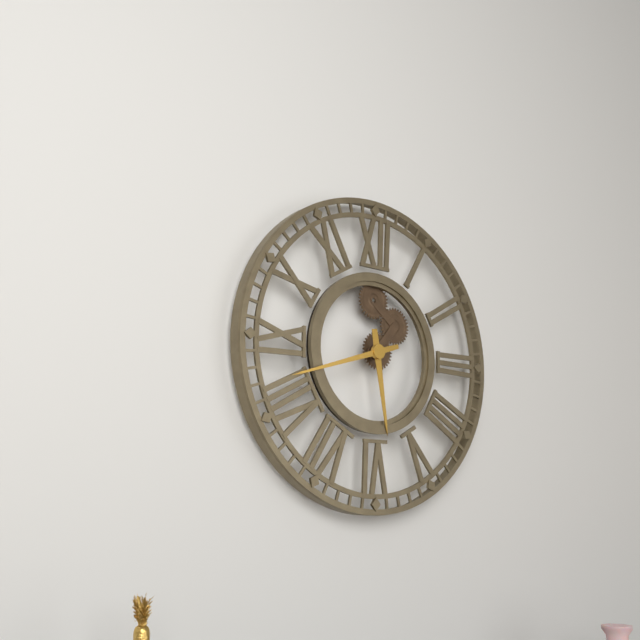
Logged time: 5 h 42 min
